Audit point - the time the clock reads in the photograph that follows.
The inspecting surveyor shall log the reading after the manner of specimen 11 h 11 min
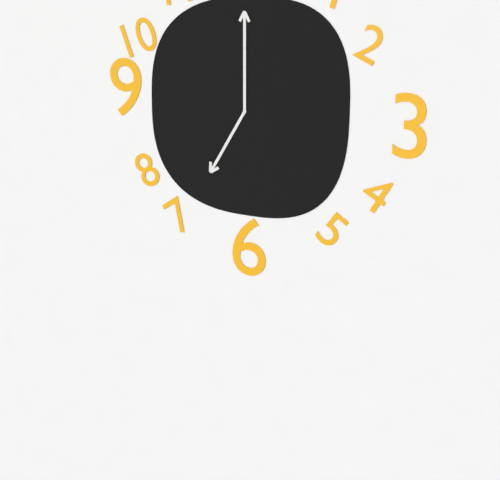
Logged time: 7 h 00 min
